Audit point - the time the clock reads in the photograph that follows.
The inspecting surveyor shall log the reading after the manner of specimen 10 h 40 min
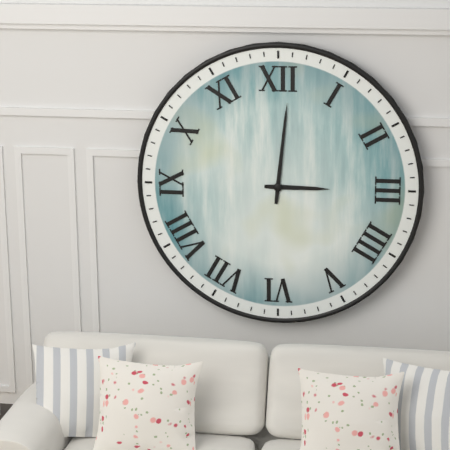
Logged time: 3 h 01 min
